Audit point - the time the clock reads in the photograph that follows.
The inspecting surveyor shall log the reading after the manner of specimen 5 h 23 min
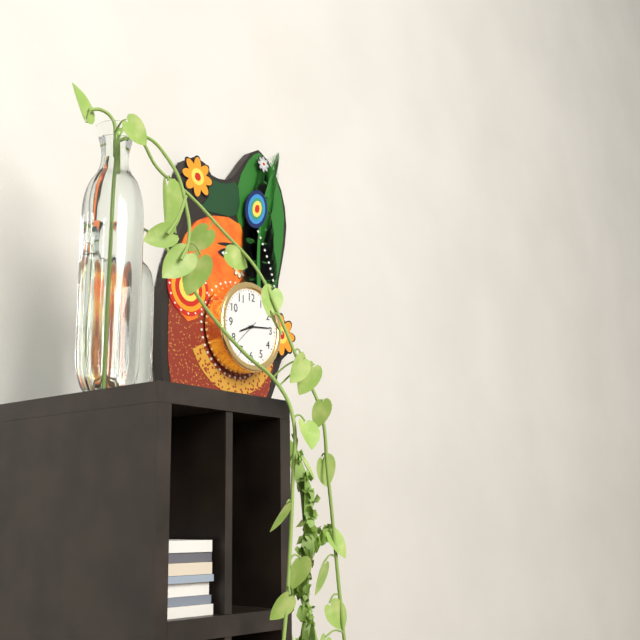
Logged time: 8 h 14 min
